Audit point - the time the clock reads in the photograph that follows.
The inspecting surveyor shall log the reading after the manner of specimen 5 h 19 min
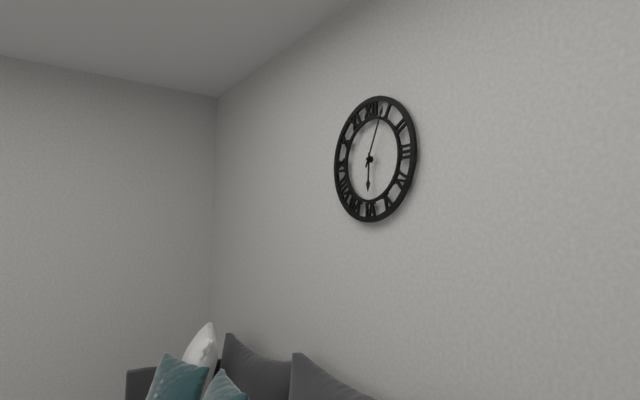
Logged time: 6 h 04 min
